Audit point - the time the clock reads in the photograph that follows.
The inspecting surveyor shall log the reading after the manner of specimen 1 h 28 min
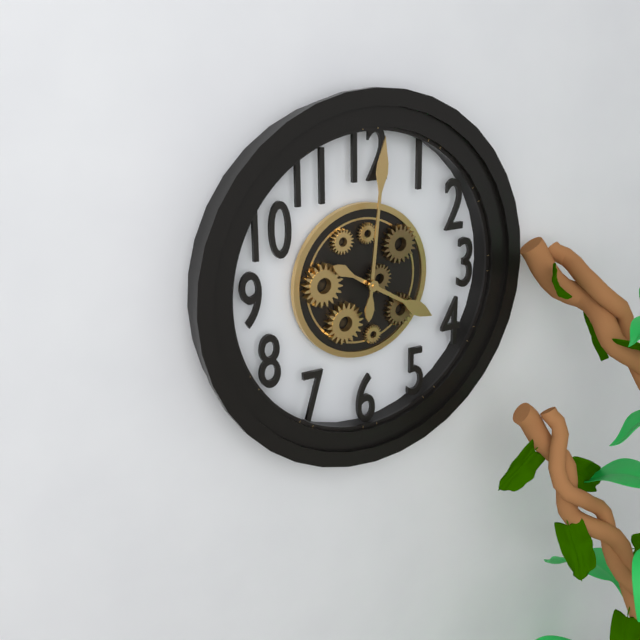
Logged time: 4 h 01 min
